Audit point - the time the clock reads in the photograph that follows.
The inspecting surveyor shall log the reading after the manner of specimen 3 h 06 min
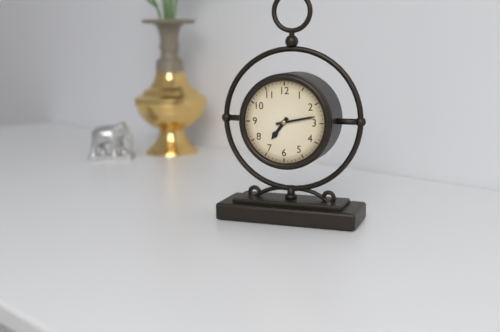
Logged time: 7 h 13 min
